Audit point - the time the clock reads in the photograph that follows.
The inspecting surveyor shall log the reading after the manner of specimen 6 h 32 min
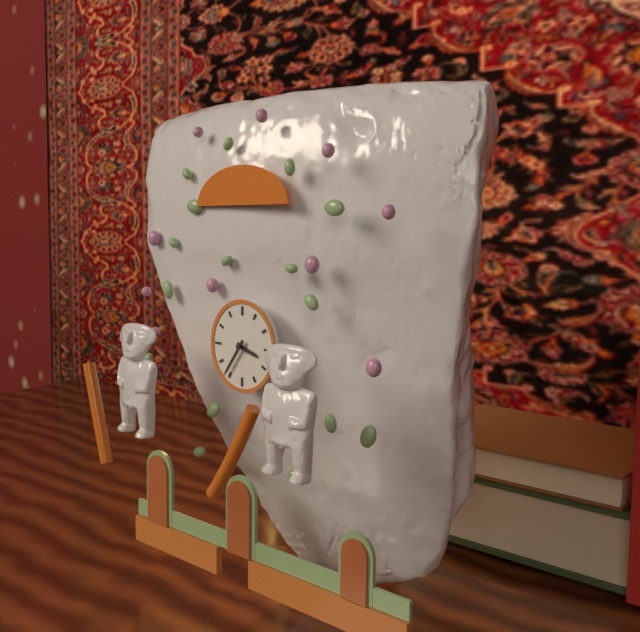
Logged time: 3 h 36 min
